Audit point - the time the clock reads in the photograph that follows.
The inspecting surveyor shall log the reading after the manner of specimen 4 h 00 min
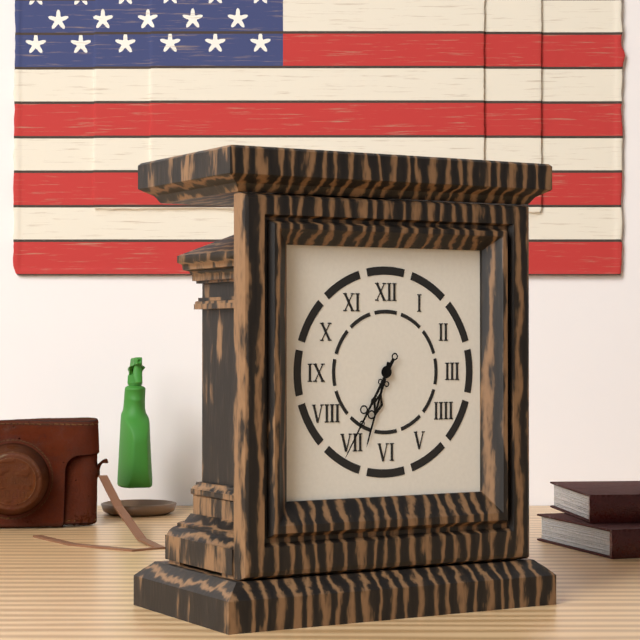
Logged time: 6 h 35 min
